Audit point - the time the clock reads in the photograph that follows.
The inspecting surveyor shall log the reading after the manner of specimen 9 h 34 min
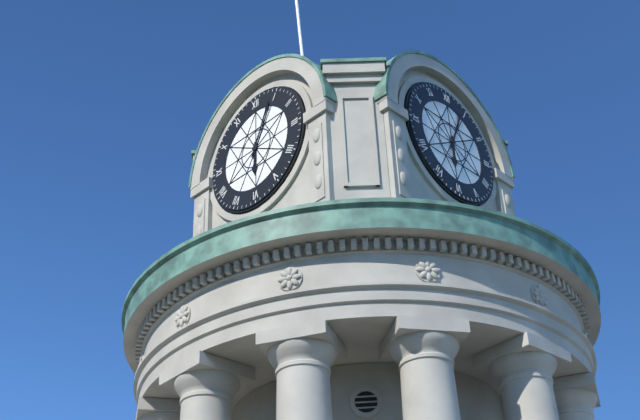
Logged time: 6 h 04 min
